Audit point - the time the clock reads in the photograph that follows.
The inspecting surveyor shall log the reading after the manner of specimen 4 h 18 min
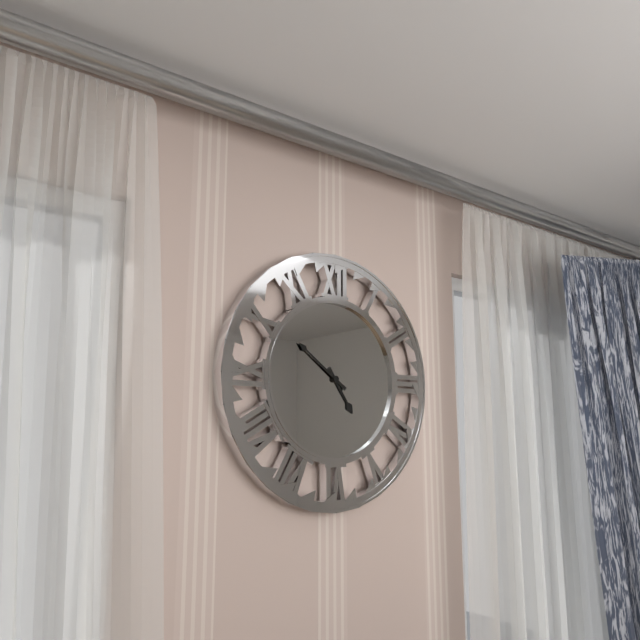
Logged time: 4 h 51 min
